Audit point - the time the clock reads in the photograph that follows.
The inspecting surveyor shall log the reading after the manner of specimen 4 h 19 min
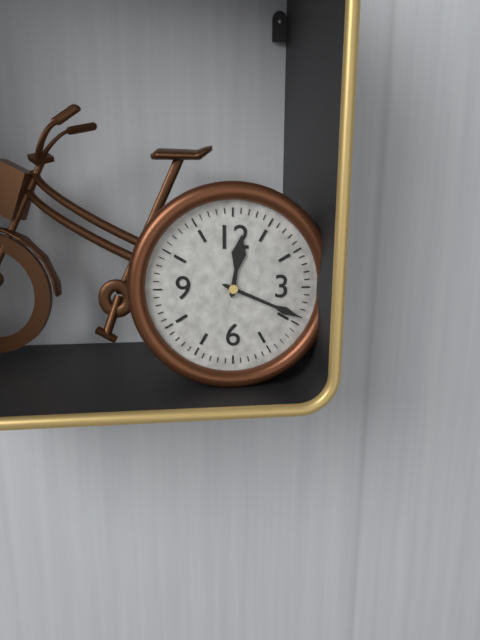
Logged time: 12 h 19 min
